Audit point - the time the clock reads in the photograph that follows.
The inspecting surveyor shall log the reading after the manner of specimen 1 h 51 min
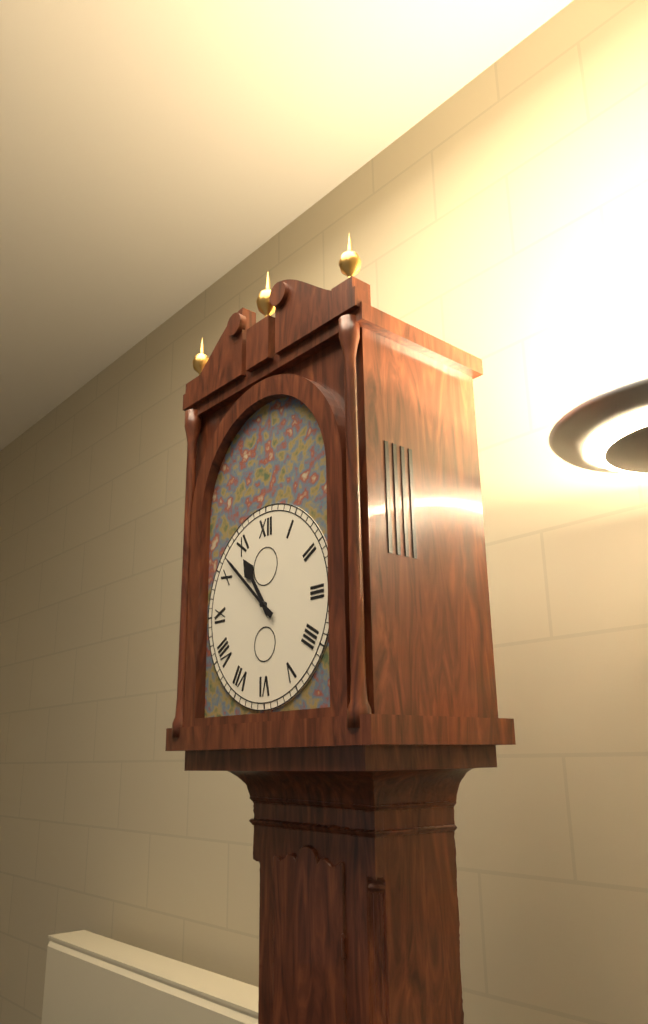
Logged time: 10 h 52 min
